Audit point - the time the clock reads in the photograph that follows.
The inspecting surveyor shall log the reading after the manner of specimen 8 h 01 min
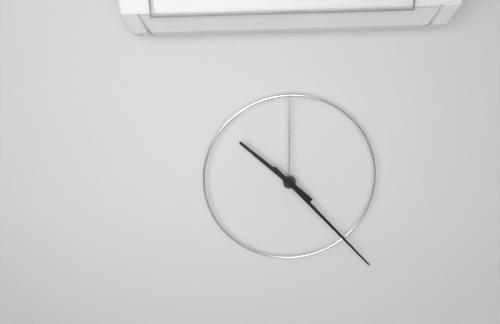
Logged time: 10 h 23 min
